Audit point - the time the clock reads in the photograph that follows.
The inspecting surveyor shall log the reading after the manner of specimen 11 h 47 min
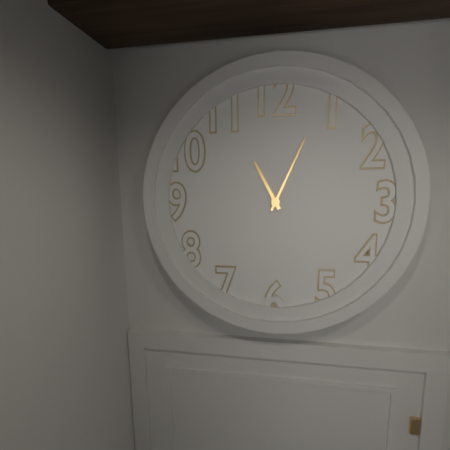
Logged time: 11 h 04 min
